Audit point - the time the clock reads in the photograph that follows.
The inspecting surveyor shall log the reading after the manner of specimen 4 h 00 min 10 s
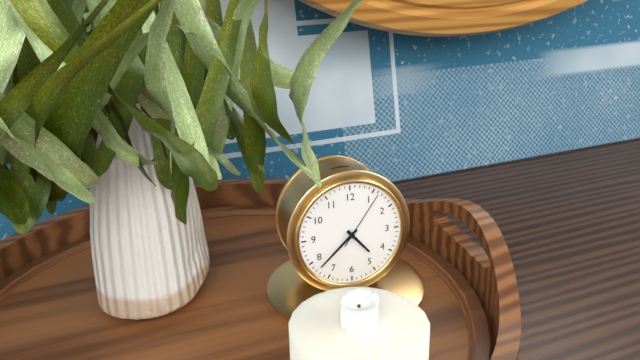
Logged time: 4 h 38 min 06 s
